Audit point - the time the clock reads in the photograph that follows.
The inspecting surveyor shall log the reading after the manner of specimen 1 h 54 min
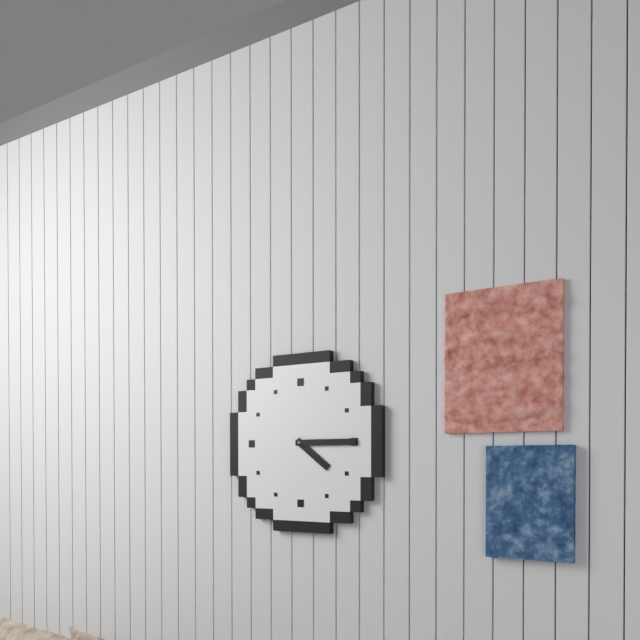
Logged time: 4 h 15 min
